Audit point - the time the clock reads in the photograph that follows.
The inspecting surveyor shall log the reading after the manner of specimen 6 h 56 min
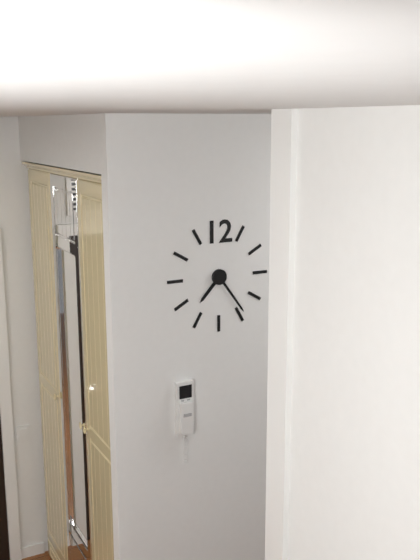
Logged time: 7 h 24 min
